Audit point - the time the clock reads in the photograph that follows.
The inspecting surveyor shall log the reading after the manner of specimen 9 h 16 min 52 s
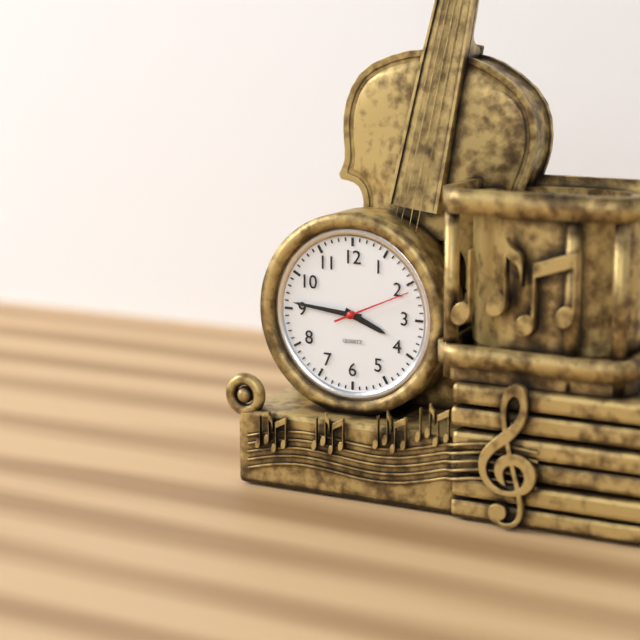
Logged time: 3 h 46 min 11 s
